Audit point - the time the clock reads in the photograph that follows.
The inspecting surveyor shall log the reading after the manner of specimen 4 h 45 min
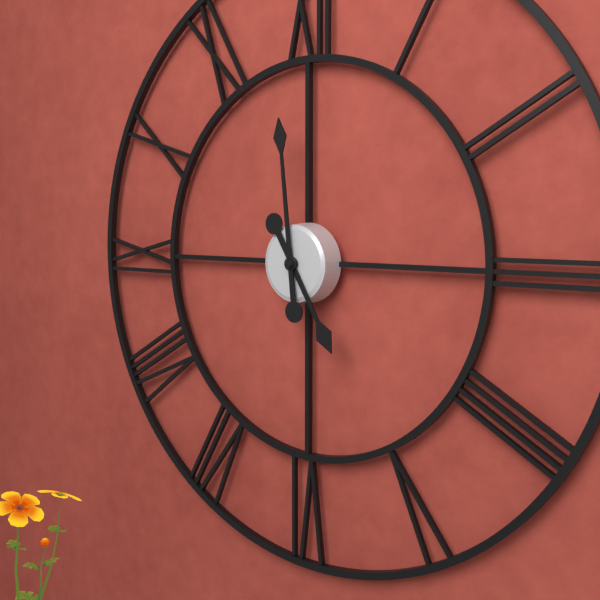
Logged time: 4 h 59 min
